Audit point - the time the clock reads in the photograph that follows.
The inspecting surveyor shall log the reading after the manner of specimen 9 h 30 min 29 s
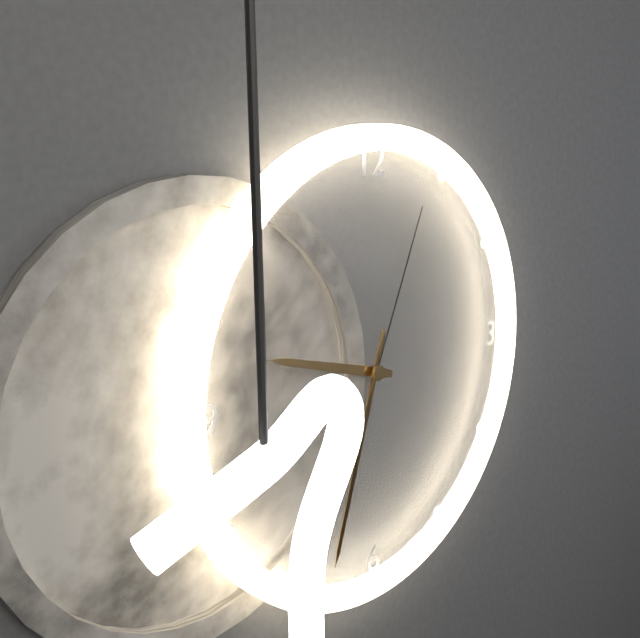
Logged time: 9 h 33 min 04 s
